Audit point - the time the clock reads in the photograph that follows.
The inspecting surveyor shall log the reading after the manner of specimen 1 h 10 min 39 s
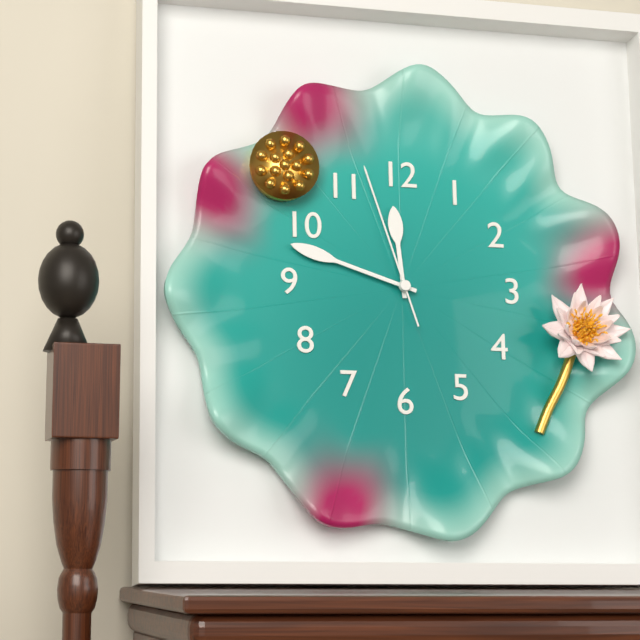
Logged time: 11 h 48 min 57 s
